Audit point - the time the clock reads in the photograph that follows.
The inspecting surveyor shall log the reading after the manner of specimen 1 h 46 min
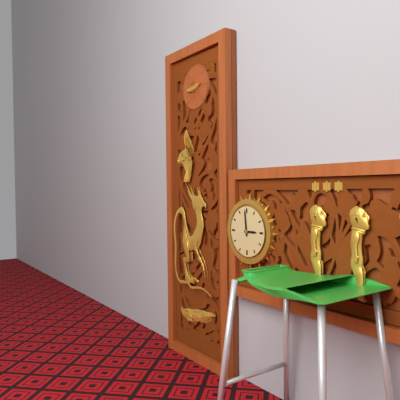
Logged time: 2 h 59 min
